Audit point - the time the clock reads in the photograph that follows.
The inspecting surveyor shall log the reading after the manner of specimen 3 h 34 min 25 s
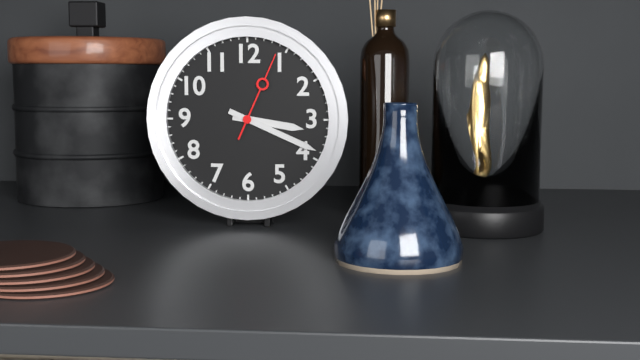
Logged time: 3 h 19 min 04 s
